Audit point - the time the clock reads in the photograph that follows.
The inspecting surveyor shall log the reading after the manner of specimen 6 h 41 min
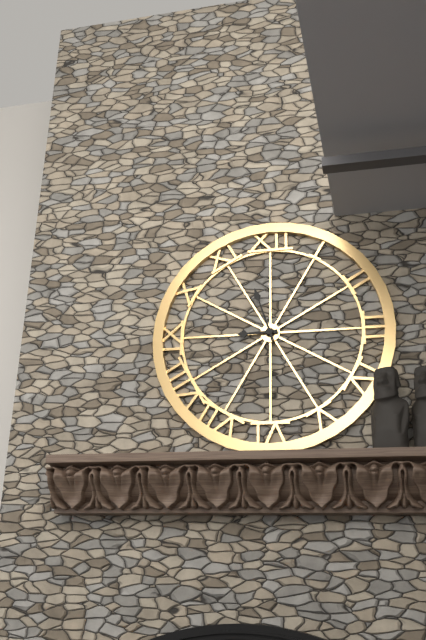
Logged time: 8 h 57 min
